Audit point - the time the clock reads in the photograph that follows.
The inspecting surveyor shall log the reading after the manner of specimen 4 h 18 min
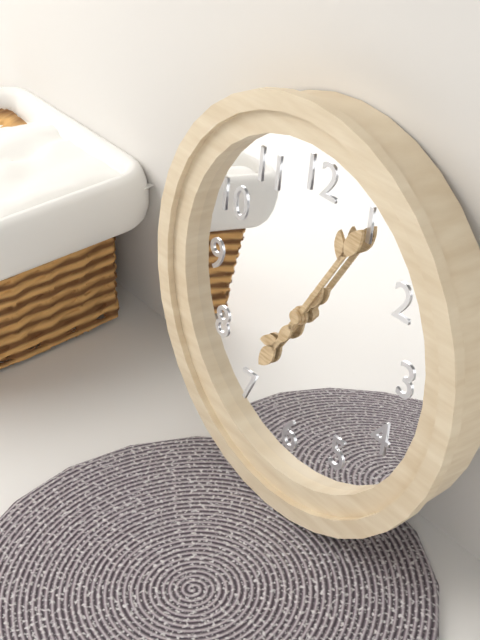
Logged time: 7 h 05 min
